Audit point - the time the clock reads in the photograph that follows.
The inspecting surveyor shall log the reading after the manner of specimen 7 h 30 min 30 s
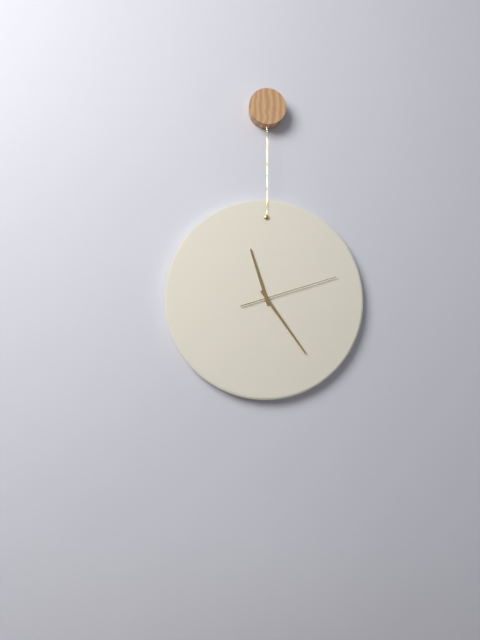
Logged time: 11 h 24 min 12 s
